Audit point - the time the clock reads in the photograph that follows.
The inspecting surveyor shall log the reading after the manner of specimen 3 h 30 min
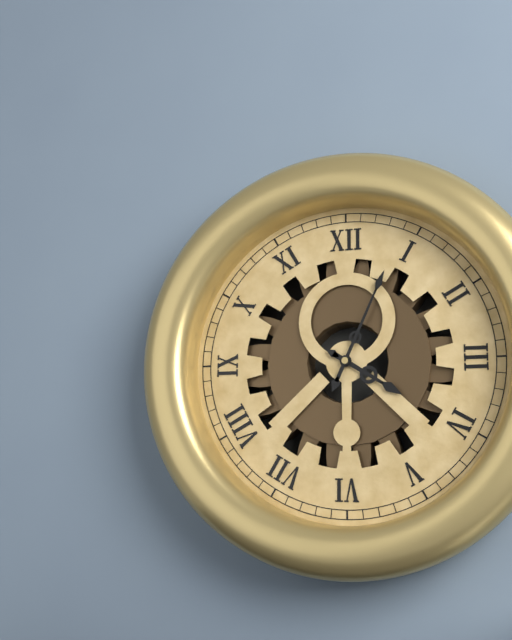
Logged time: 4 h 04 min
